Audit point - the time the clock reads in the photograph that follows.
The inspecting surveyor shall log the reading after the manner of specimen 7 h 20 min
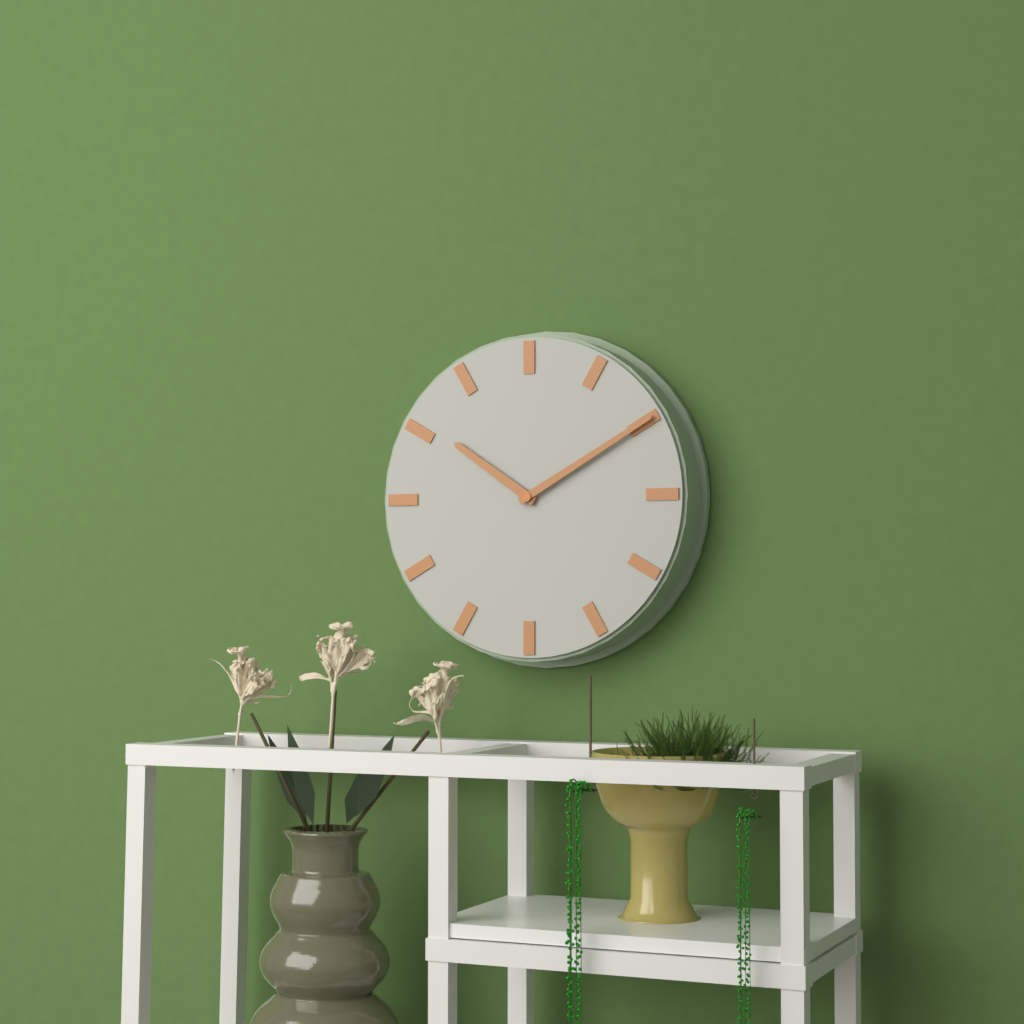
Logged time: 10 h 10 min
